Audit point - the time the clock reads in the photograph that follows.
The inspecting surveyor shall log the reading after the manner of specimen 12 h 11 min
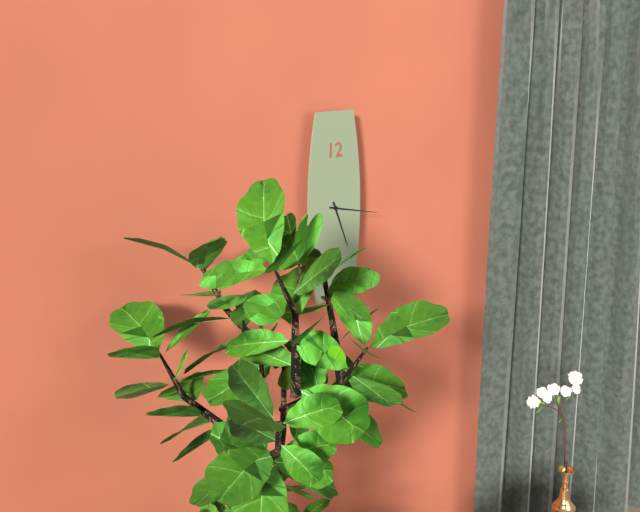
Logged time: 5 h 17 min
